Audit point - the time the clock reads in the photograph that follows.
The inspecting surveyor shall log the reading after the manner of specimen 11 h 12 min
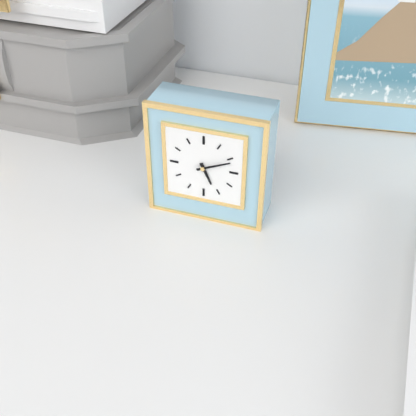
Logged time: 5 h 11 min
